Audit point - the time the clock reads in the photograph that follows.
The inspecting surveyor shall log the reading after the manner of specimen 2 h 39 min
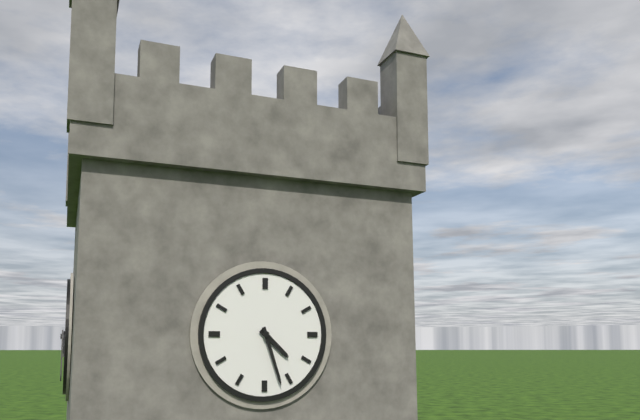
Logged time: 4 h 27 min
